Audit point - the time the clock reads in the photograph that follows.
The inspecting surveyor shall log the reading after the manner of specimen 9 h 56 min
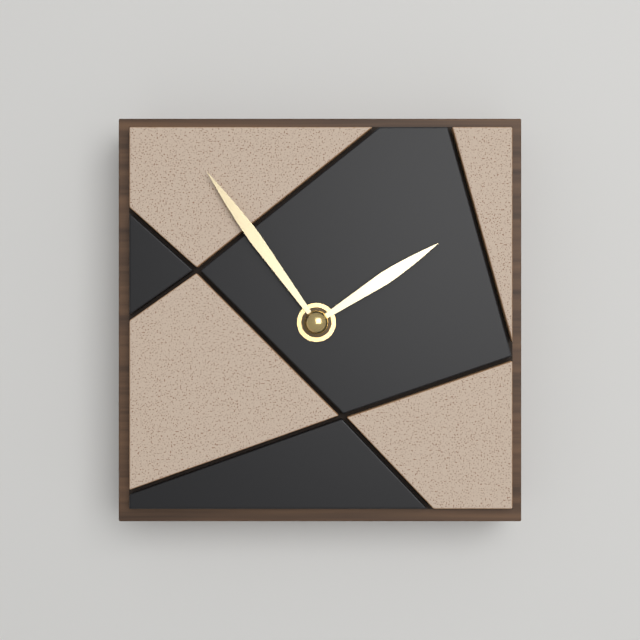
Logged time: 1 h 54 min
